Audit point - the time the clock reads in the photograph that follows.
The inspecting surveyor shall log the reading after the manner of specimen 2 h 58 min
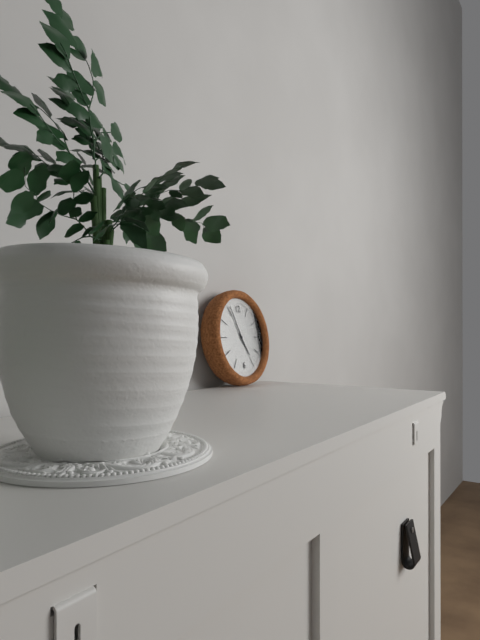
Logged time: 4 h 56 min
